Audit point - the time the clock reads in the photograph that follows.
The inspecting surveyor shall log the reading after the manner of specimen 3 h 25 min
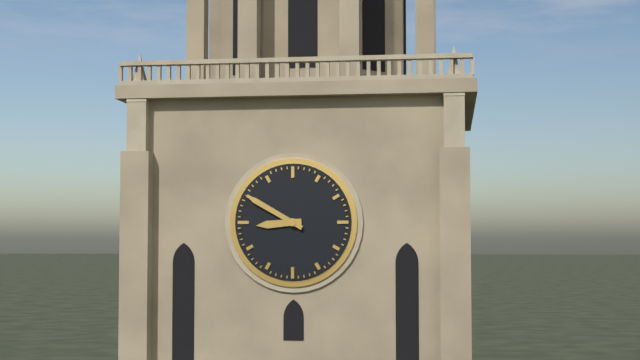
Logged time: 8 h 50 min
